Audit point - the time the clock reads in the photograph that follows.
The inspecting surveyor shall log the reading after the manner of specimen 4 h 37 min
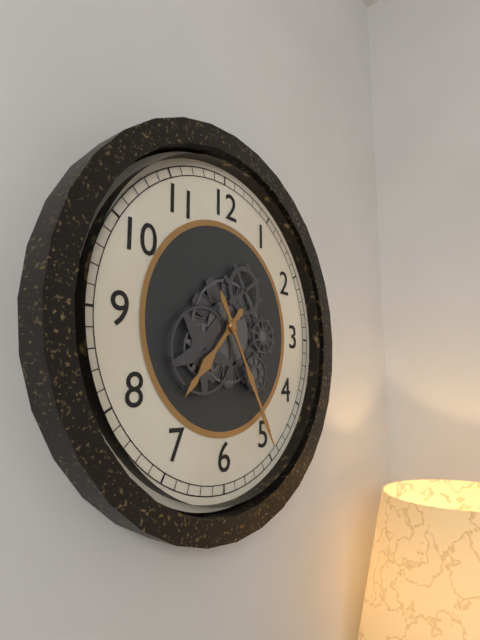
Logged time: 7 h 25 min
